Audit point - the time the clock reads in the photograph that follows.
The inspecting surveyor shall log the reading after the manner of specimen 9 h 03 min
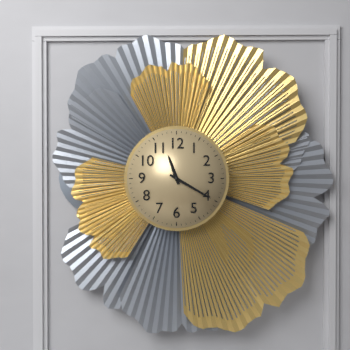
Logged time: 11 h 20 min
